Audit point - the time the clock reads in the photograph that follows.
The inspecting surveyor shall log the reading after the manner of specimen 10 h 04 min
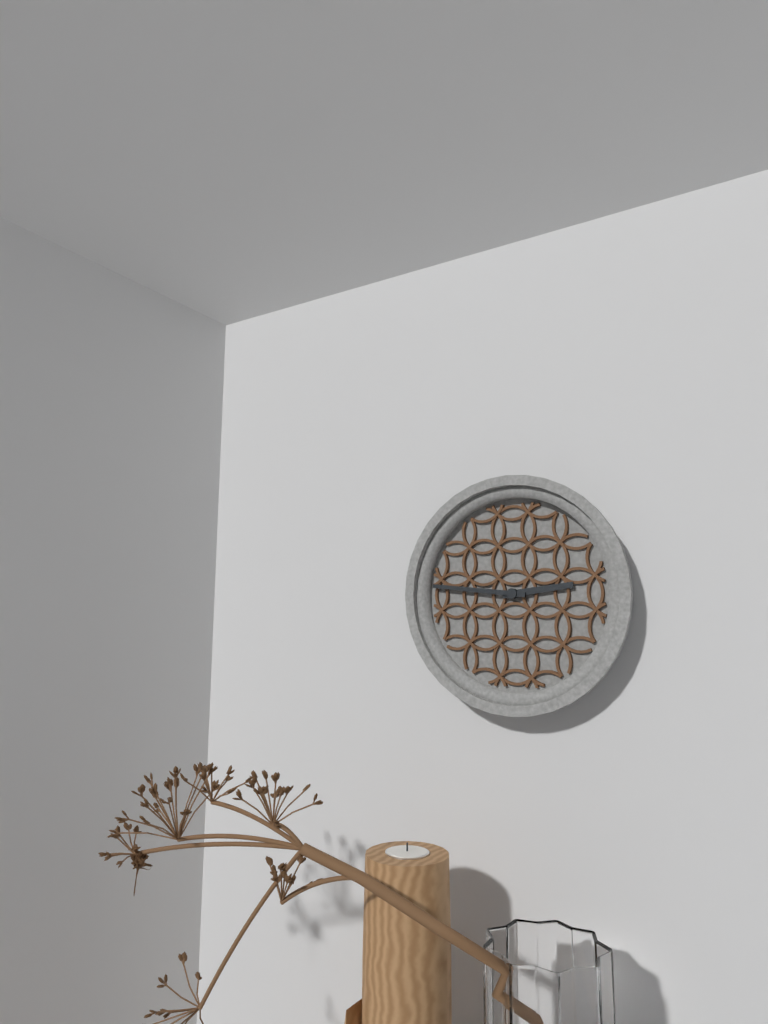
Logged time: 2 h 46 min
